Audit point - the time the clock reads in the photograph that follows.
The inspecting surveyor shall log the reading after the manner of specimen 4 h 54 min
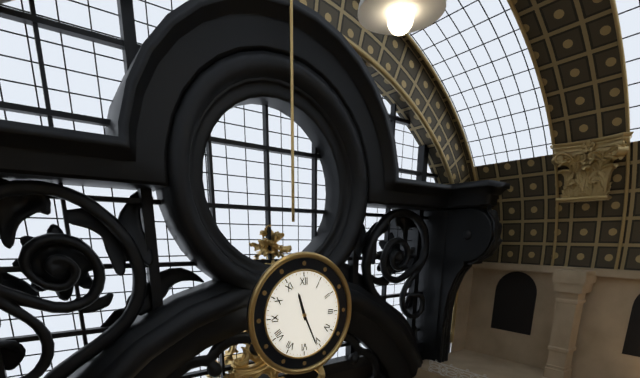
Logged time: 11 h 26 min
